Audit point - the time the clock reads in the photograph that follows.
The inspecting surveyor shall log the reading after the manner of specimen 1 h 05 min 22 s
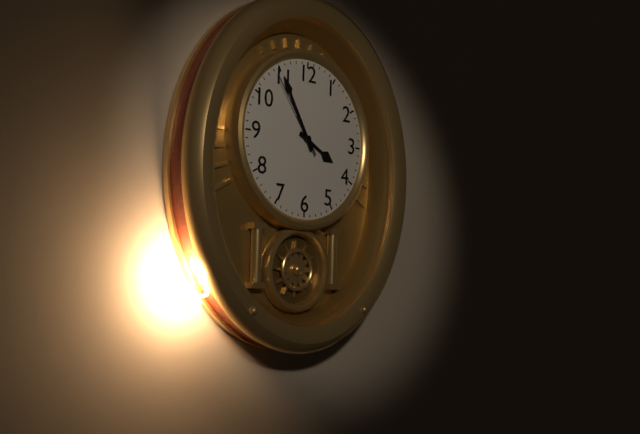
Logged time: 3 h 55 min 54 s
